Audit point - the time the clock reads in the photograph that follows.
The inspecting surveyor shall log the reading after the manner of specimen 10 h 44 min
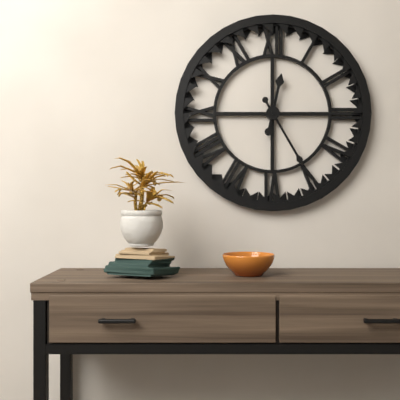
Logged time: 12 h 25 min
